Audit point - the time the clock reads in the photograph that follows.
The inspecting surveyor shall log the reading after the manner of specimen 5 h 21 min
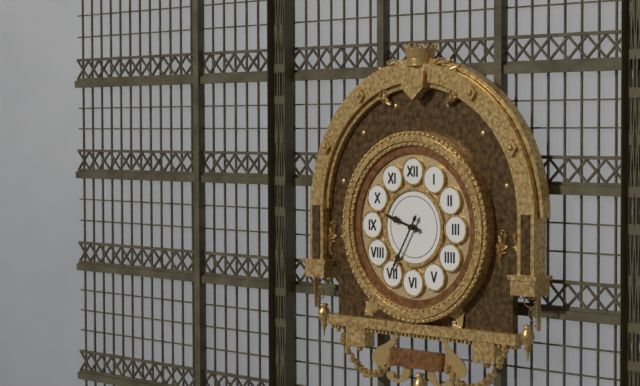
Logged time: 9 h 35 min
